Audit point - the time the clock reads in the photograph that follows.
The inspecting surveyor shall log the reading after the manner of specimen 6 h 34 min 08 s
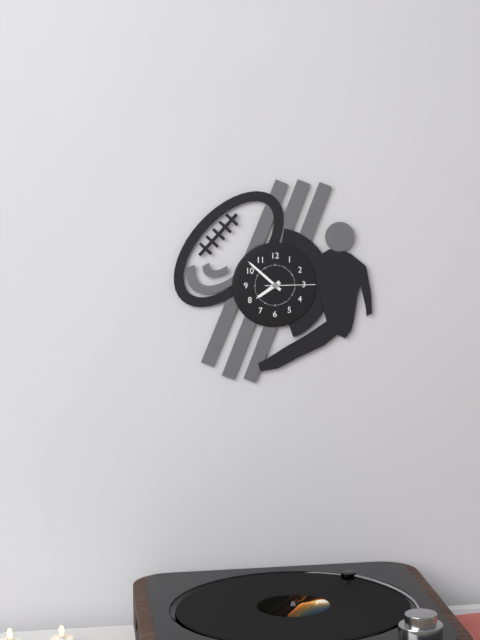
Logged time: 7 h 52 min 15 s
